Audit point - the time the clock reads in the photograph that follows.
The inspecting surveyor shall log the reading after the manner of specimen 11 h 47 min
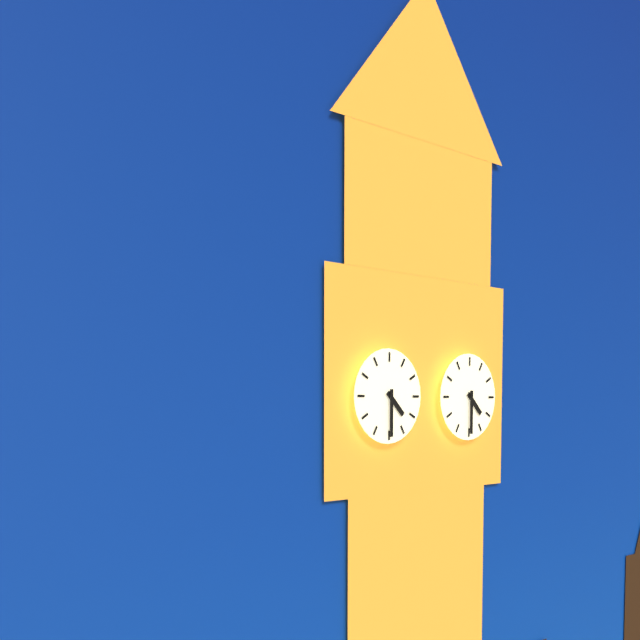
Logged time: 4 h 30 min
